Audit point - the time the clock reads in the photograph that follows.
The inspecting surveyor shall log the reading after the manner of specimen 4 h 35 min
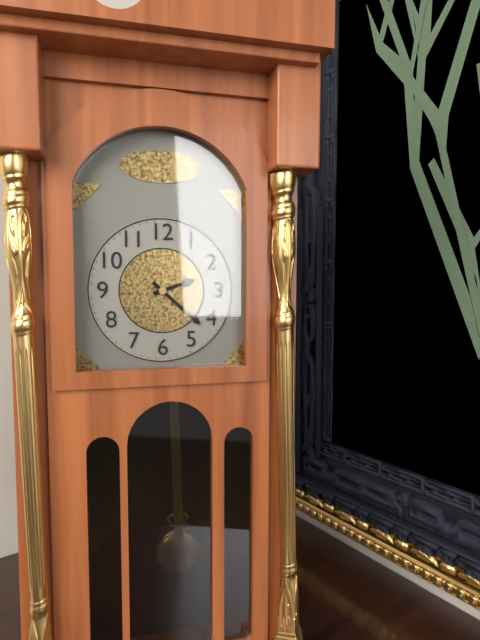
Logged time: 2 h 22 min
